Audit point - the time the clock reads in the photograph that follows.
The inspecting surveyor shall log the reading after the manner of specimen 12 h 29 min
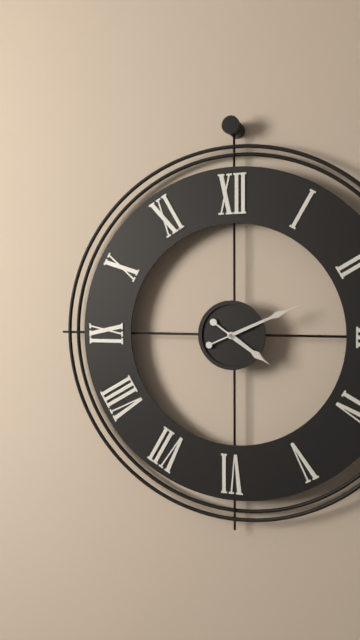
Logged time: 4 h 11 min
